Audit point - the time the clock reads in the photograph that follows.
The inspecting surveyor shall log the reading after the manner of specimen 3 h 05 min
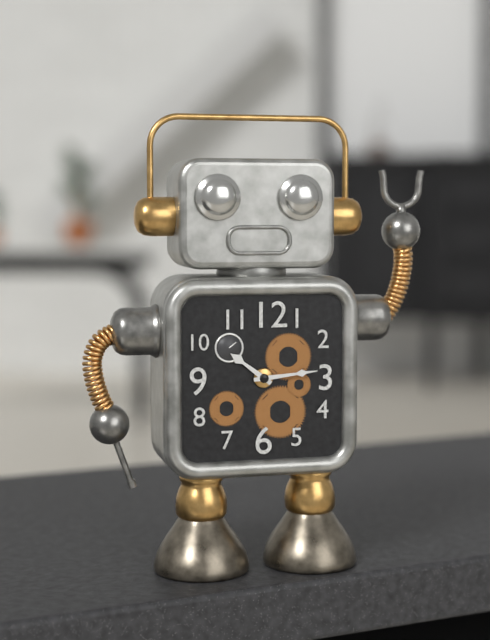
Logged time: 10 h 14 min
